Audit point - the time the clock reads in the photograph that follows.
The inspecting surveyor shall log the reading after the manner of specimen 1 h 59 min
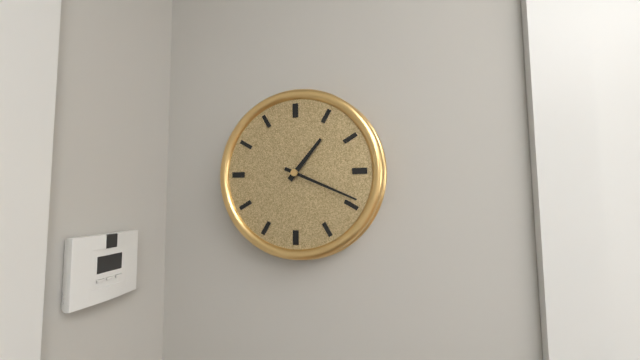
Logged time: 1 h 19 min
